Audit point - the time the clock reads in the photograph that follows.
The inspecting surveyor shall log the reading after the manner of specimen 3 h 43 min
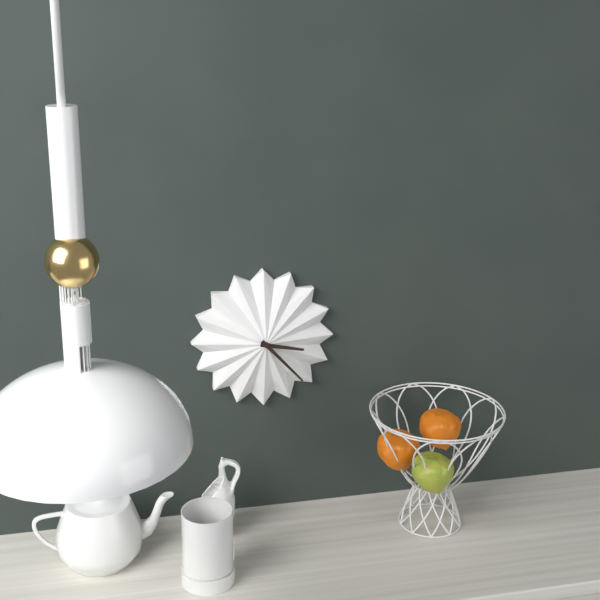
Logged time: 3 h 23 min
